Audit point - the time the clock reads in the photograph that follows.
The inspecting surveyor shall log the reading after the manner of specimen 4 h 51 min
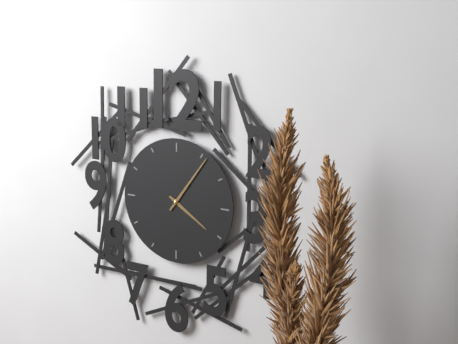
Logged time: 4 h 06 min
